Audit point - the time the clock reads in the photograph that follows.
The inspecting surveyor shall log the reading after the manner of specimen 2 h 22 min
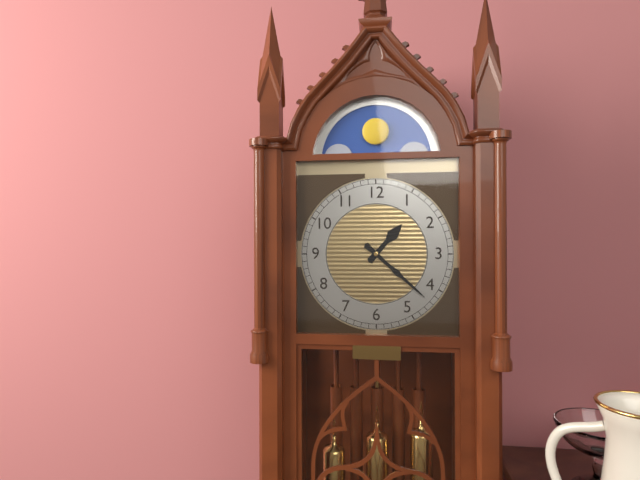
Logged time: 1 h 22 min
